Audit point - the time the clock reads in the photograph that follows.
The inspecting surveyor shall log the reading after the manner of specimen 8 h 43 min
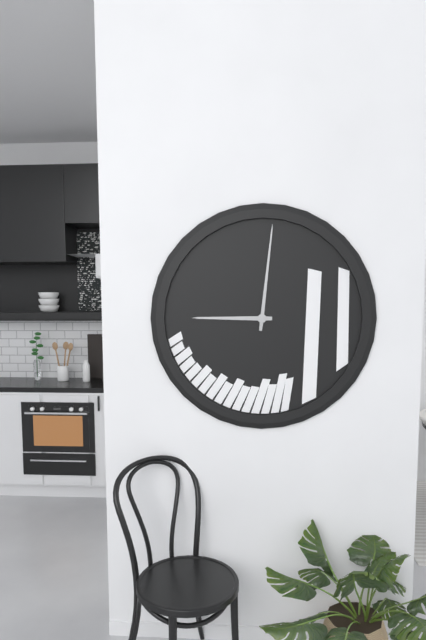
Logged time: 9 h 01 min
